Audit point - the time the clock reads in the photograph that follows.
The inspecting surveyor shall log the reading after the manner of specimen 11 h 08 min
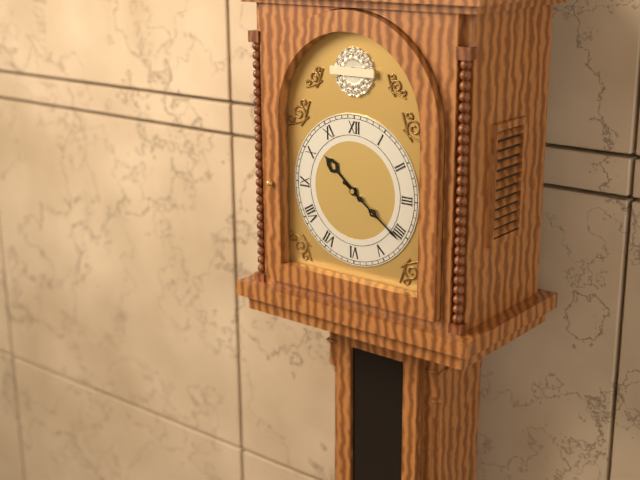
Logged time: 10 h 21 min
